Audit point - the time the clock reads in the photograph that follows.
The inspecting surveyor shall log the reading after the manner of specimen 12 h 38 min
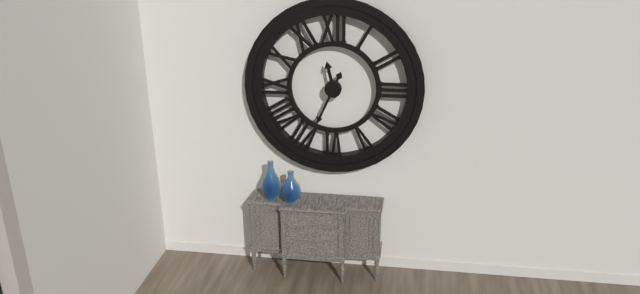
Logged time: 11 h 34 min
